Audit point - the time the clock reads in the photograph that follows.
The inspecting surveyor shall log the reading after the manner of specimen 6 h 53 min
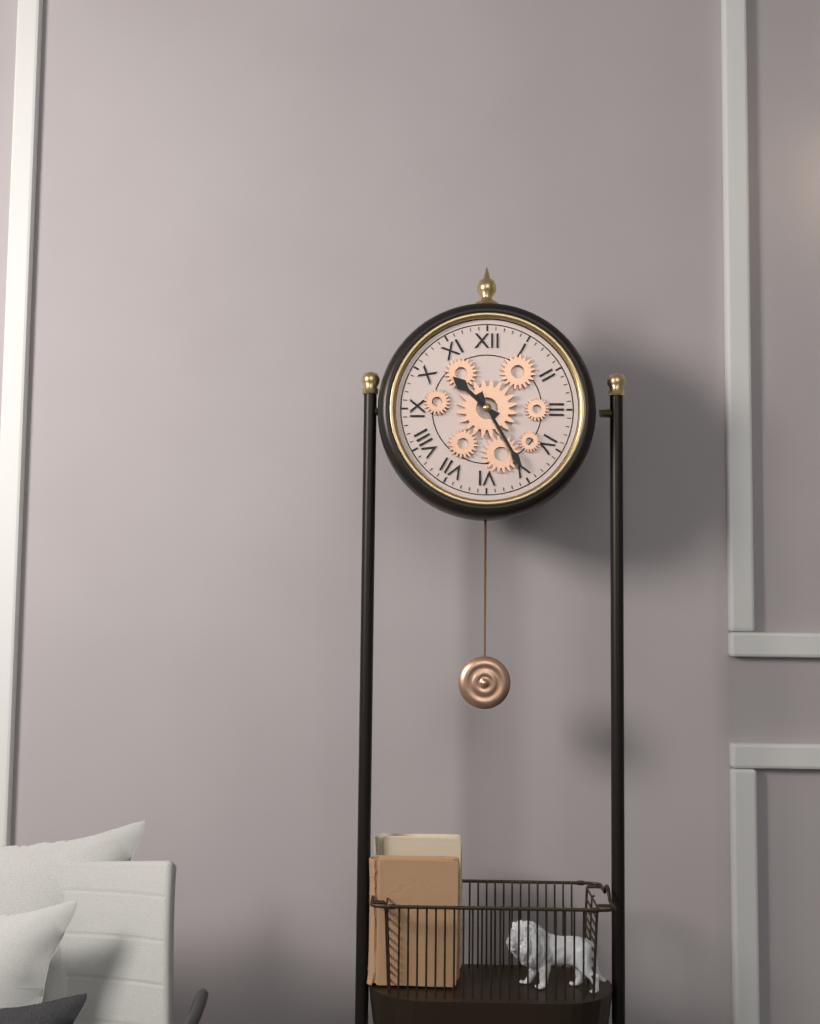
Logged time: 10 h 25 min
